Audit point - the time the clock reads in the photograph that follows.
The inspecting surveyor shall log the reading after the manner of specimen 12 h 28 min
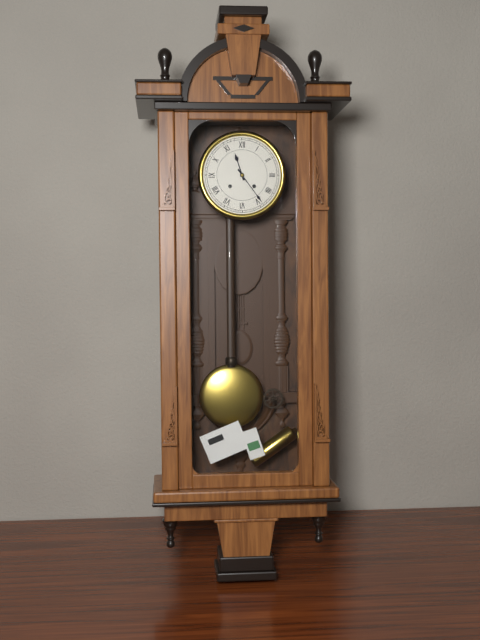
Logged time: 11 h 24 min
